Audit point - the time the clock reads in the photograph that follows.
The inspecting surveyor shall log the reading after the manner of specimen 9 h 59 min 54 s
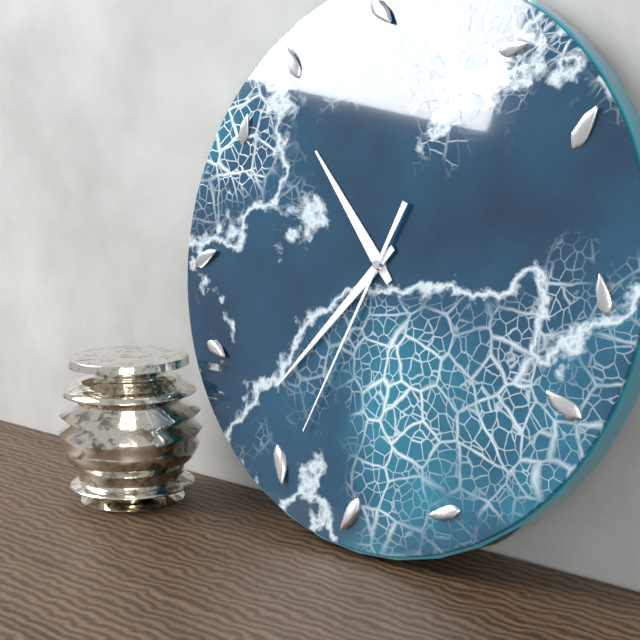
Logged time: 10 h 37 min 34 s
